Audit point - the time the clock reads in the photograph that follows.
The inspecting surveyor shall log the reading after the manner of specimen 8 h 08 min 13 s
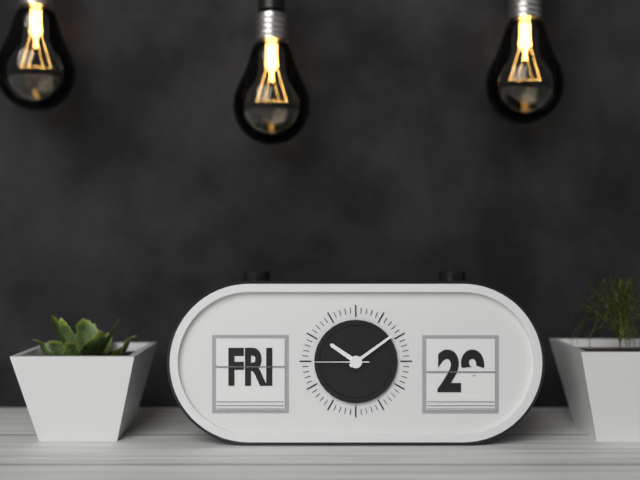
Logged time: 10 h 09 min 45 s
